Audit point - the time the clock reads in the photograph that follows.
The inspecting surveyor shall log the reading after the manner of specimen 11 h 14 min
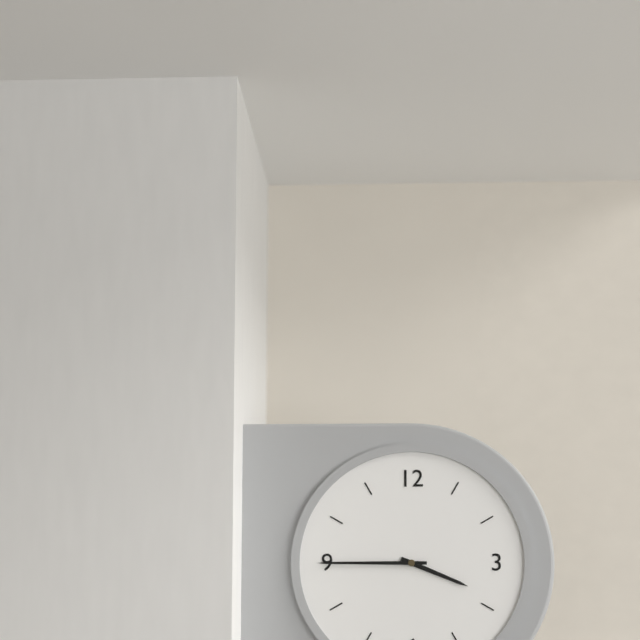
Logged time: 3 h 45 min
